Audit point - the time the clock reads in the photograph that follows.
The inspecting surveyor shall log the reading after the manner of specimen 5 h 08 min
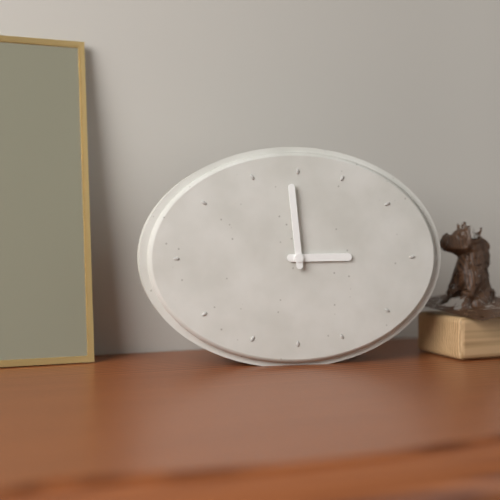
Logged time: 2 h 59 min
